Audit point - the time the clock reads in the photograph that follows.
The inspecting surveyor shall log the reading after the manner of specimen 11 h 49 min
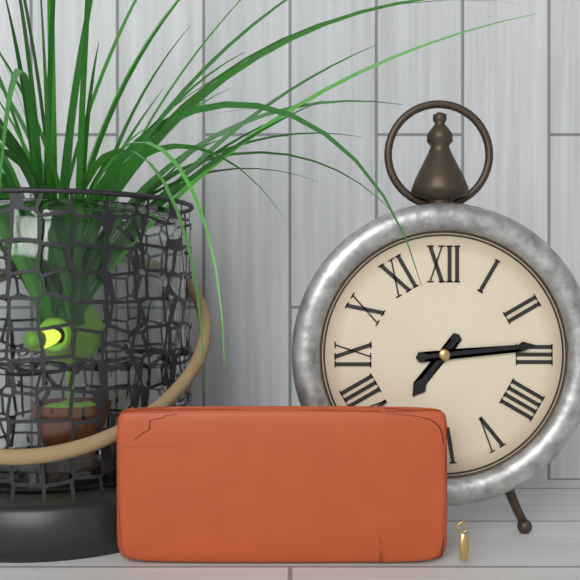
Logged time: 7 h 14 min
